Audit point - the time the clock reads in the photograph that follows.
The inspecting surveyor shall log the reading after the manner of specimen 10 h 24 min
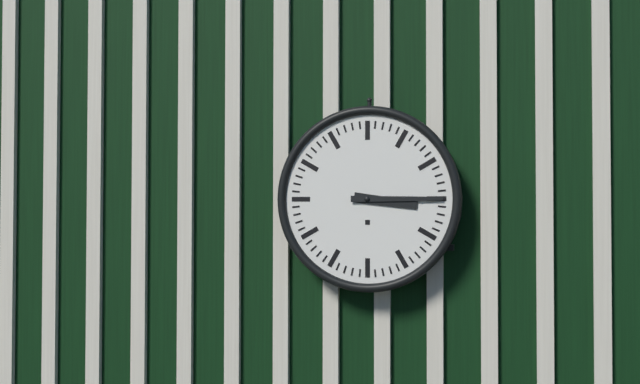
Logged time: 3 h 15 min
